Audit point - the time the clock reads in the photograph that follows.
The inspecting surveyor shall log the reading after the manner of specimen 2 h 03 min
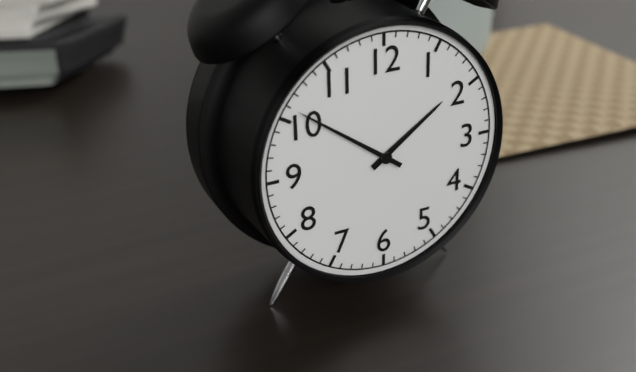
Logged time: 1 h 51 min
